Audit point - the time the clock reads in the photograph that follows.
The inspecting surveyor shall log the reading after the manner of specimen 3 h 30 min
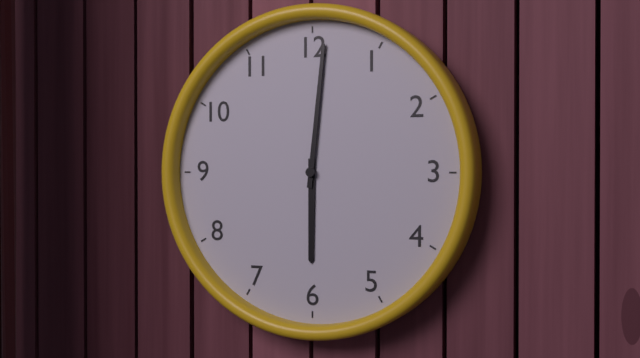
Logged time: 6 h 01 min
